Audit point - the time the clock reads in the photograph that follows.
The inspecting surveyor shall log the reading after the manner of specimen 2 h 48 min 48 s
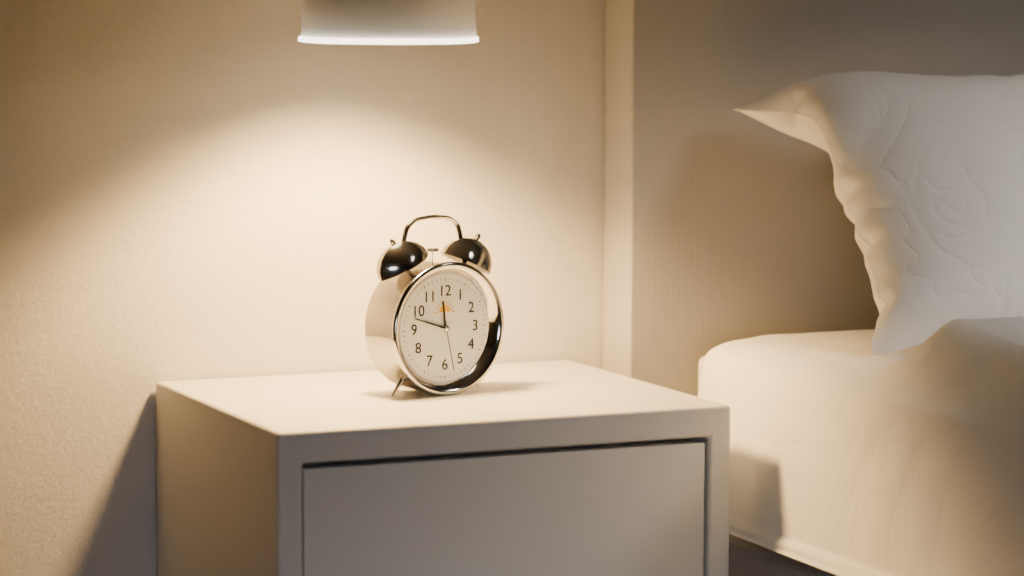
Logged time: 11 h 48 min 28 s
